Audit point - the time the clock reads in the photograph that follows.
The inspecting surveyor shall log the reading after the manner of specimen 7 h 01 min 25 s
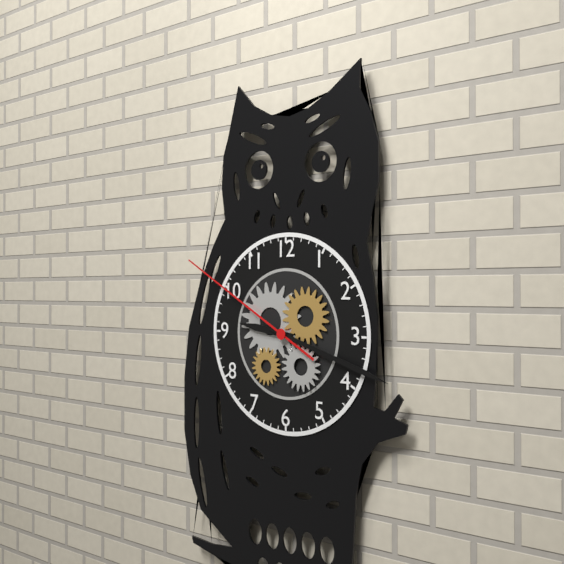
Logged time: 9 h 18 min 50 s
